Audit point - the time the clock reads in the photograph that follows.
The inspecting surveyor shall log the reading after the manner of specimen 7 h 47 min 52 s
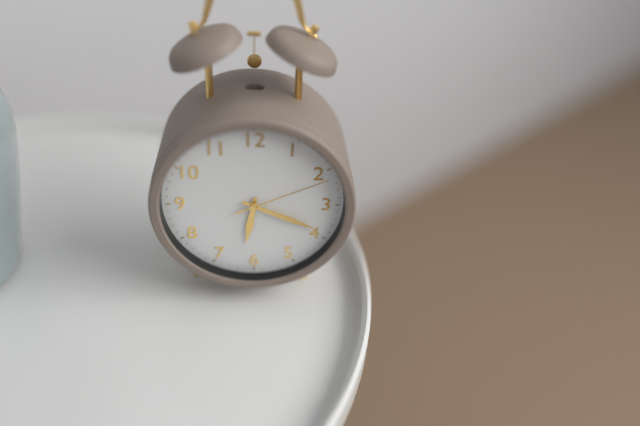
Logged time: 6 h 19 min 11 s
